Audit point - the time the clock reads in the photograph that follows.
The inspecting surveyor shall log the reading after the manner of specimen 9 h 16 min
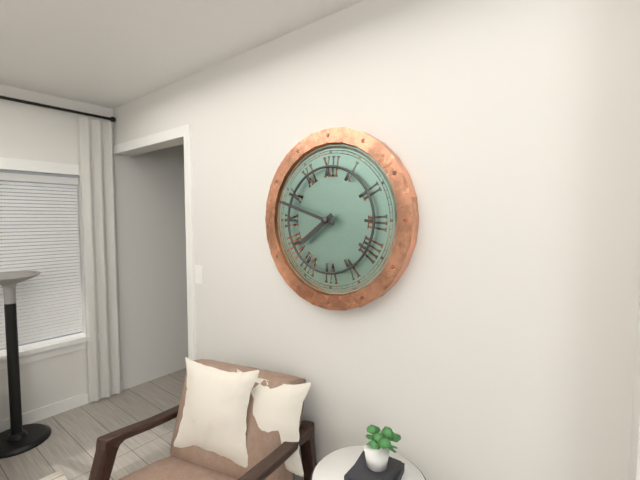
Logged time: 7 h 48 min
